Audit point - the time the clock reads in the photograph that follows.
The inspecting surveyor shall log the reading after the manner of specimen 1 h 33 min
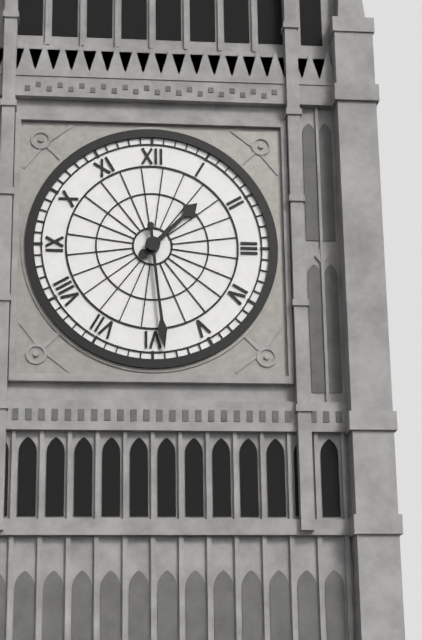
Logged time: 1 h 29 min
